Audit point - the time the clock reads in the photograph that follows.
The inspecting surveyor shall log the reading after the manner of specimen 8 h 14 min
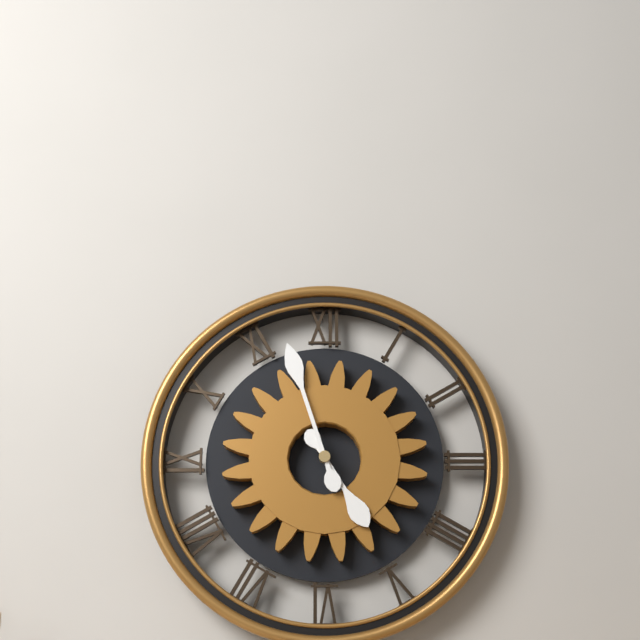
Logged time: 4 h 57 min
